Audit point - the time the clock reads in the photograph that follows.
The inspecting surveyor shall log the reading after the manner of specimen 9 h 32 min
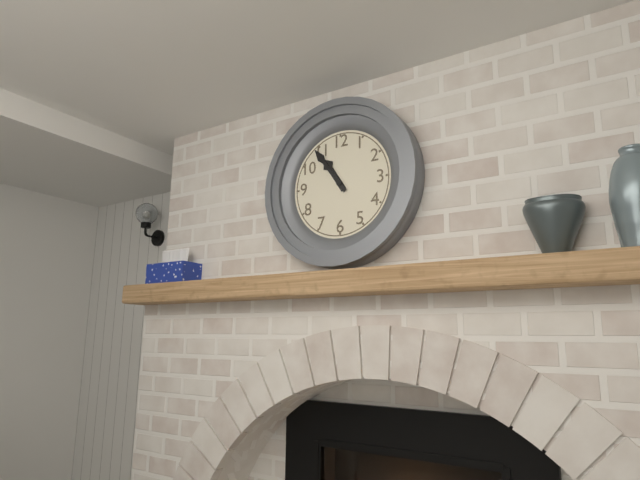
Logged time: 10 h 54 min
